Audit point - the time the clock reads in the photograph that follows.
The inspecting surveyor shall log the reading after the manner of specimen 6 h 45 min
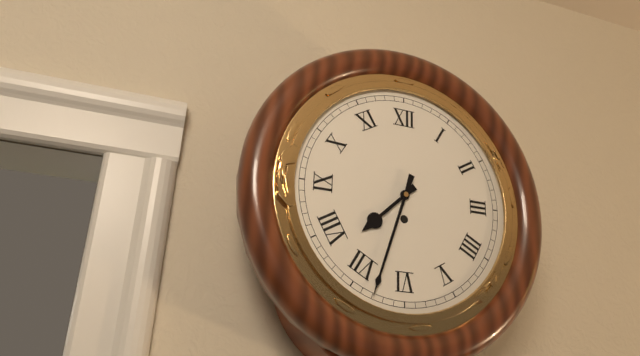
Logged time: 7 h 33 min
